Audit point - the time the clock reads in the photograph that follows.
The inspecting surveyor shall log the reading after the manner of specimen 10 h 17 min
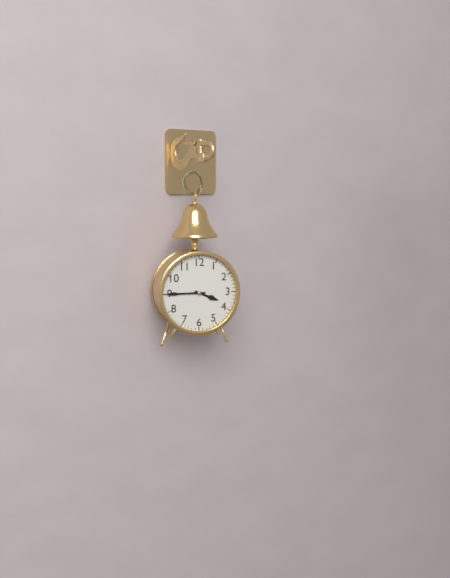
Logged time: 3 h 45 min
